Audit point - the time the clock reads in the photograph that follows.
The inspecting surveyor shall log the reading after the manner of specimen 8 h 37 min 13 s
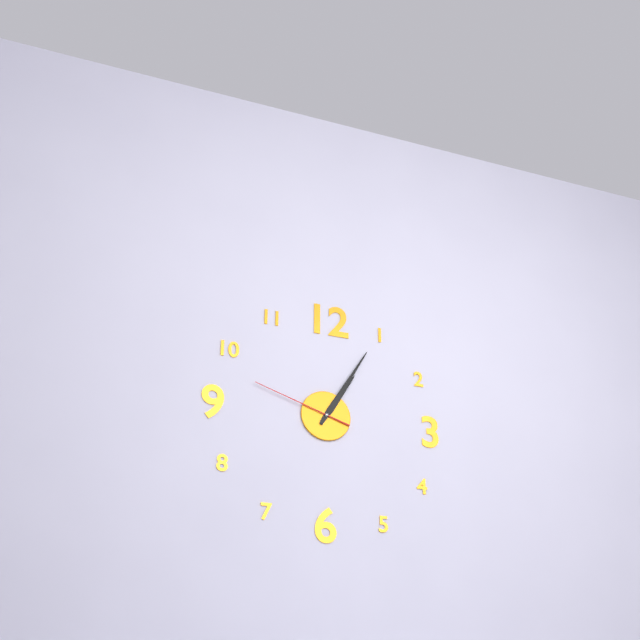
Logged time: 1 h 05 min 48 s
